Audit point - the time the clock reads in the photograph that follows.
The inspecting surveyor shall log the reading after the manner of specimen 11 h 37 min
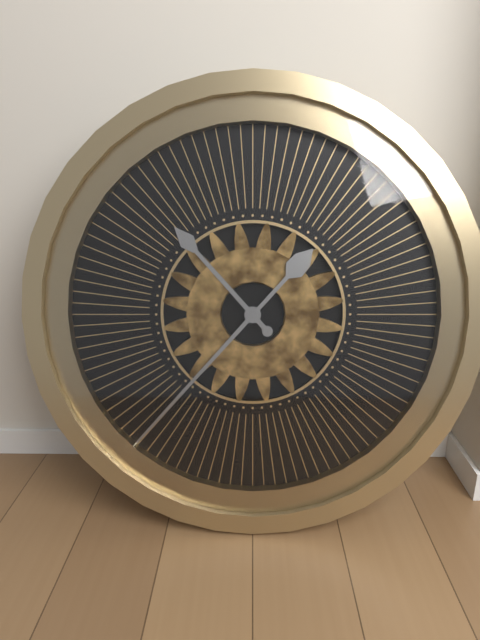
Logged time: 10 h 37 min
